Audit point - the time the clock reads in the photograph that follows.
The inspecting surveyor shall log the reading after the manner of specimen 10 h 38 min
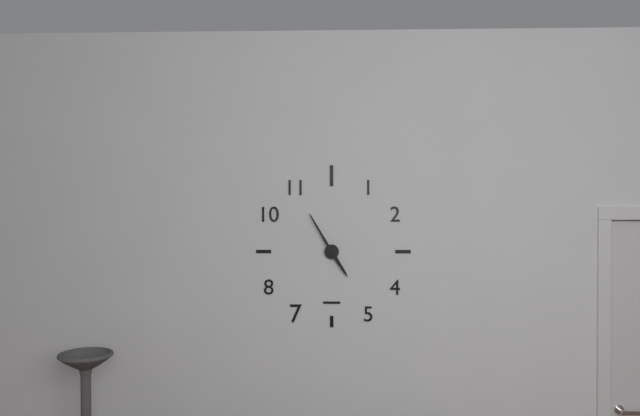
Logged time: 4 h 55 min
